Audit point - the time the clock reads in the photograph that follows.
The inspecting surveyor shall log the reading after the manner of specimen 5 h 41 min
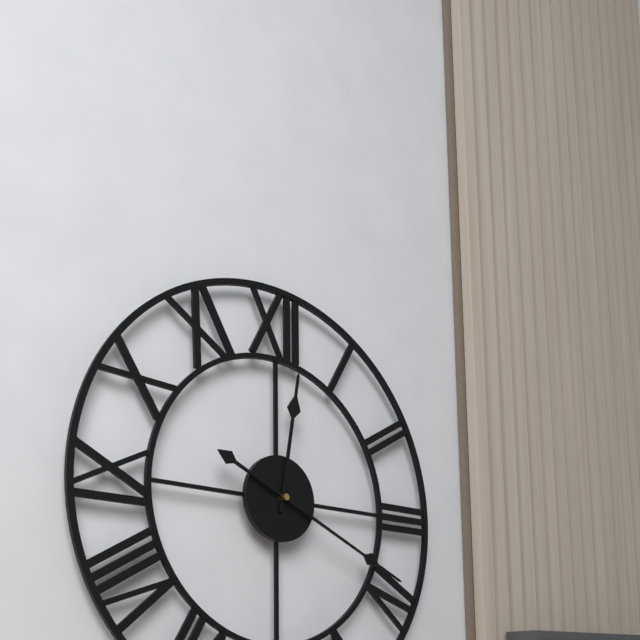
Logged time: 12 h 19 min
